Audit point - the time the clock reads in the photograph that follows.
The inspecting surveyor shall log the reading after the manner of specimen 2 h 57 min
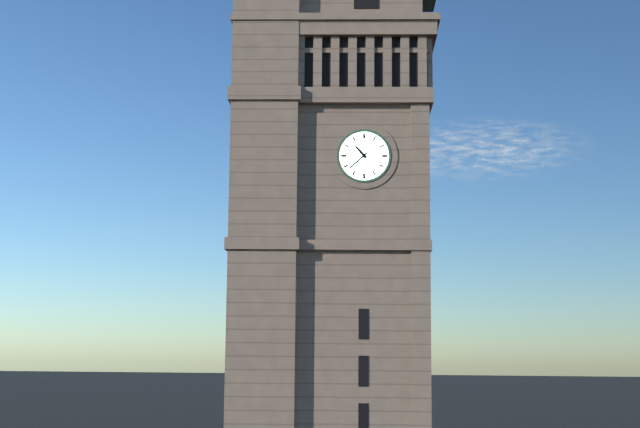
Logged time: 10 h 38 min
